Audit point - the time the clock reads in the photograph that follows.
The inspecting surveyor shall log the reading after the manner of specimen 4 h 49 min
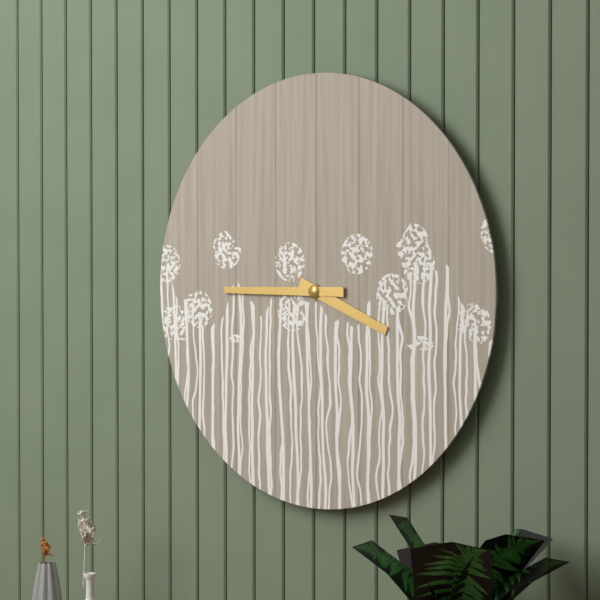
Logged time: 3 h 45 min
